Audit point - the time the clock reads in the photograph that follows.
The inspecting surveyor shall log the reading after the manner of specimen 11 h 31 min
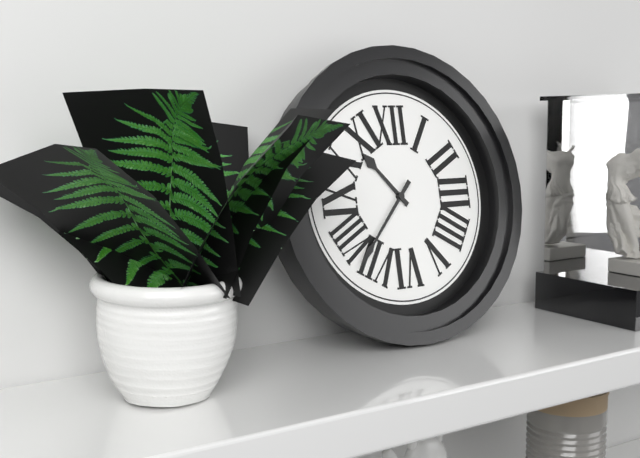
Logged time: 10 h 37 min
